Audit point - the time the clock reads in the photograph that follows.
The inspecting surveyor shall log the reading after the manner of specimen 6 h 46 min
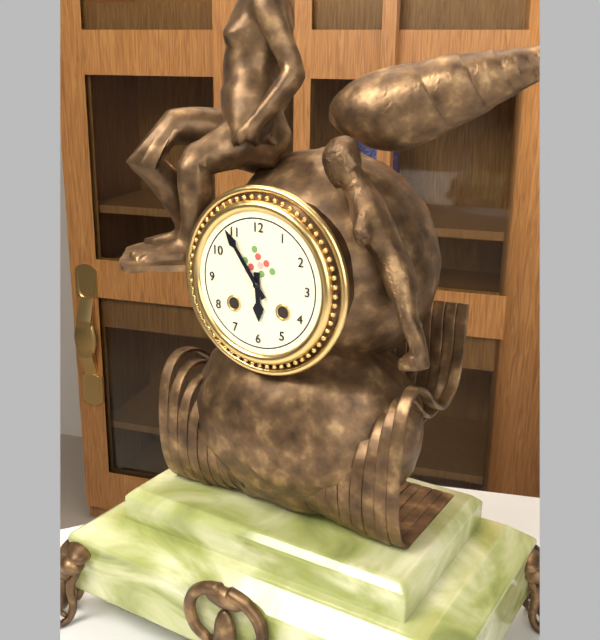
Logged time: 5 h 54 min
